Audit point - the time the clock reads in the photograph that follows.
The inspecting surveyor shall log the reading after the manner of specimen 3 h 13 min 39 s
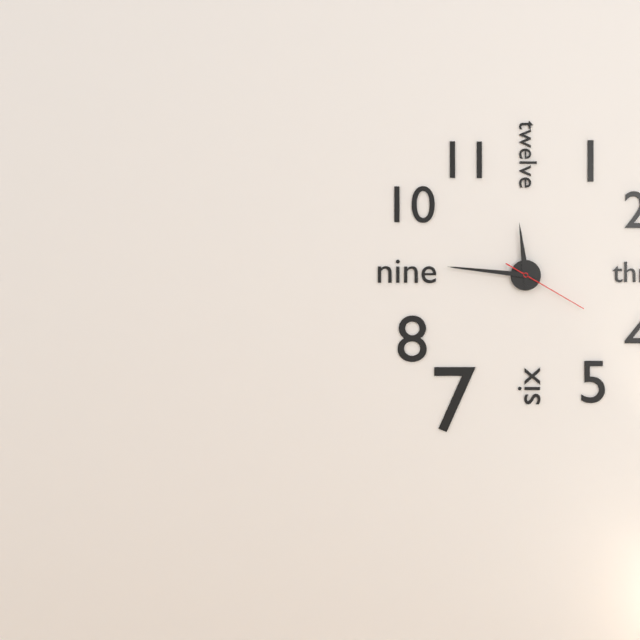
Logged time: 11 h 46 min 20 s
